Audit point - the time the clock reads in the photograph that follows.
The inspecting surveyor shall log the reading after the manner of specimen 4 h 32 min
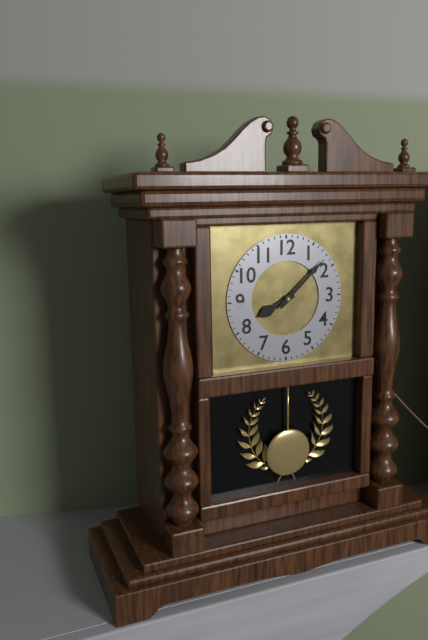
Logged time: 8 h 08 min
